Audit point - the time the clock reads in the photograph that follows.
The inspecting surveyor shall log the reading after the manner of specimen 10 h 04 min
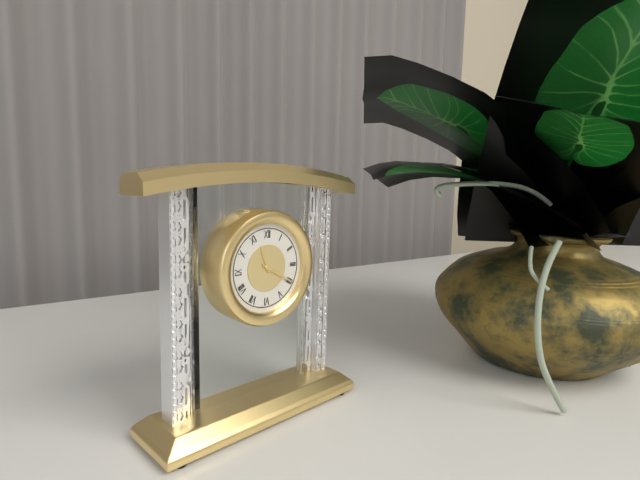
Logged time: 11 h 20 min
